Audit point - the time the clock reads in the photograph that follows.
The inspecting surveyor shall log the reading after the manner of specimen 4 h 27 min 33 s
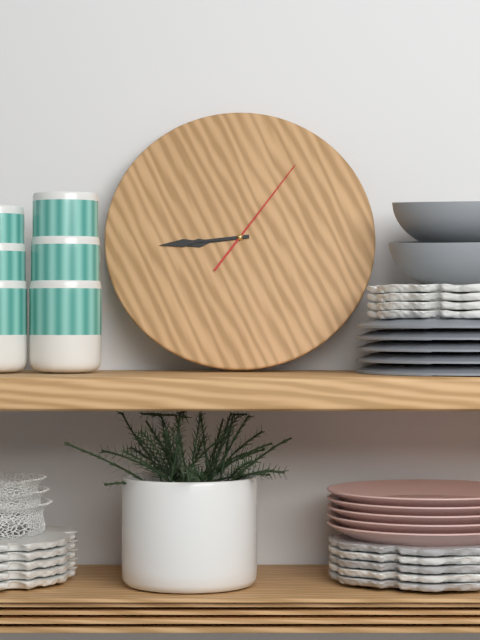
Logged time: 8 h 44 min 06 s
